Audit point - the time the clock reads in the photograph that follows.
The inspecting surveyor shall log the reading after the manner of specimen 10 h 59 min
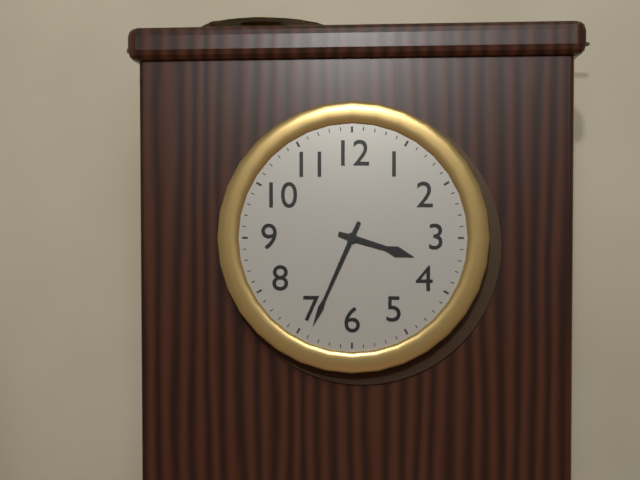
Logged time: 3 h 34 min
